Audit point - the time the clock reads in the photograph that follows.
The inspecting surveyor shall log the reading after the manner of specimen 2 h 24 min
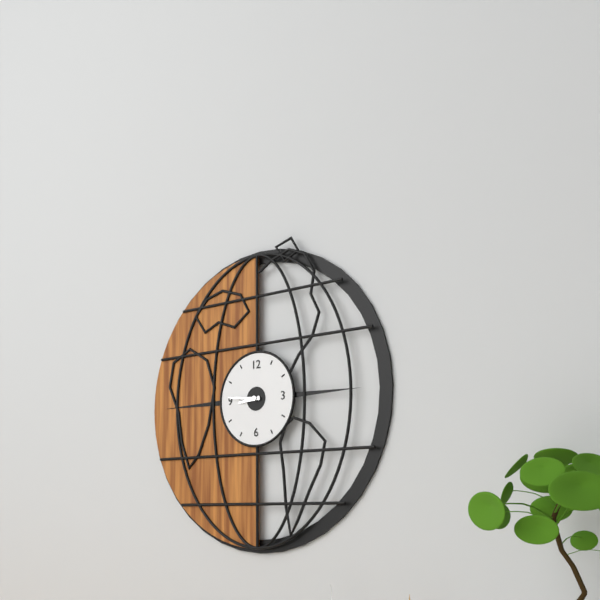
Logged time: 8 h 46 min
